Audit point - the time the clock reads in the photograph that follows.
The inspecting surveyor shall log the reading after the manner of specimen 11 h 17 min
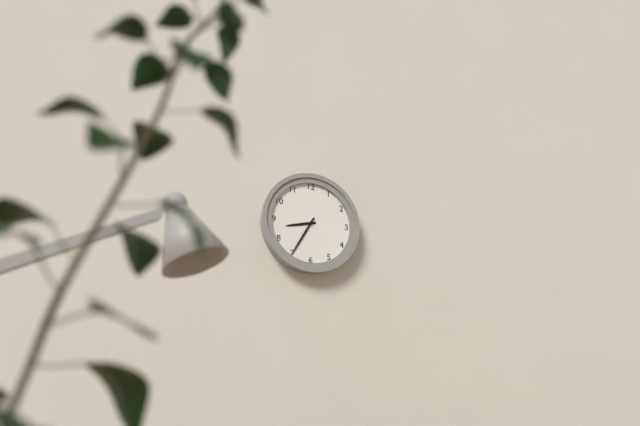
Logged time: 8 h 35 min
